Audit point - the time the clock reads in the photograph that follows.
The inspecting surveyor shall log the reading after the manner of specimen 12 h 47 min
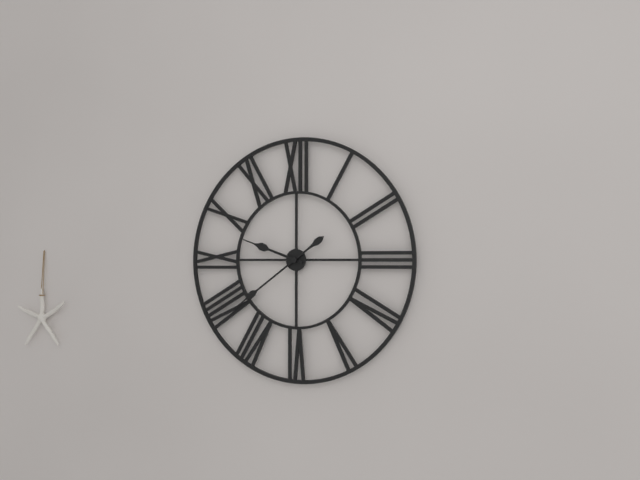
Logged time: 9 h 39 min
